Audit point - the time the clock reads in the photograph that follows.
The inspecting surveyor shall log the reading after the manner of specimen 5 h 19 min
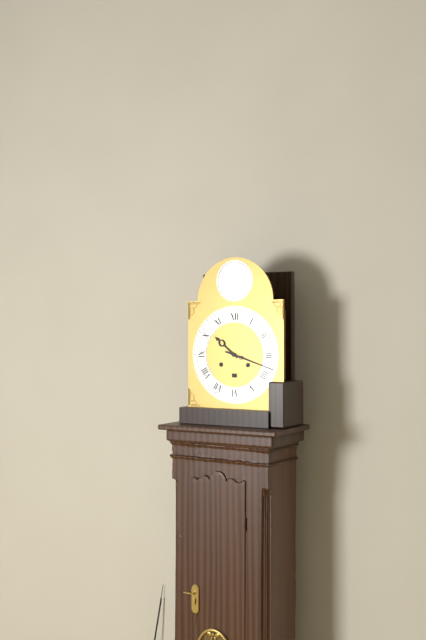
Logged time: 10 h 18 min
